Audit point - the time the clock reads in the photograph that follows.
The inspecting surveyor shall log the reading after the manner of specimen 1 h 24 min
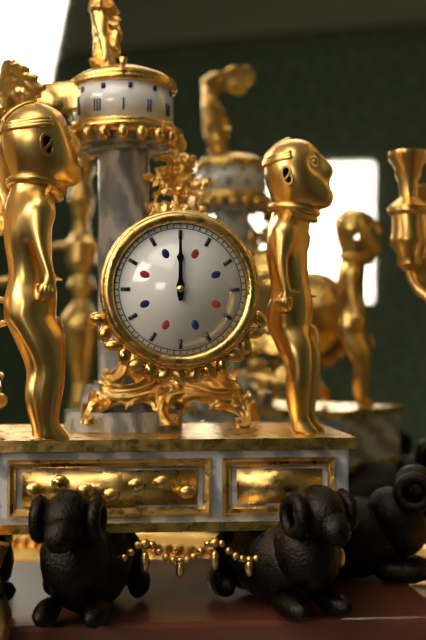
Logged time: 12 h 00 min
